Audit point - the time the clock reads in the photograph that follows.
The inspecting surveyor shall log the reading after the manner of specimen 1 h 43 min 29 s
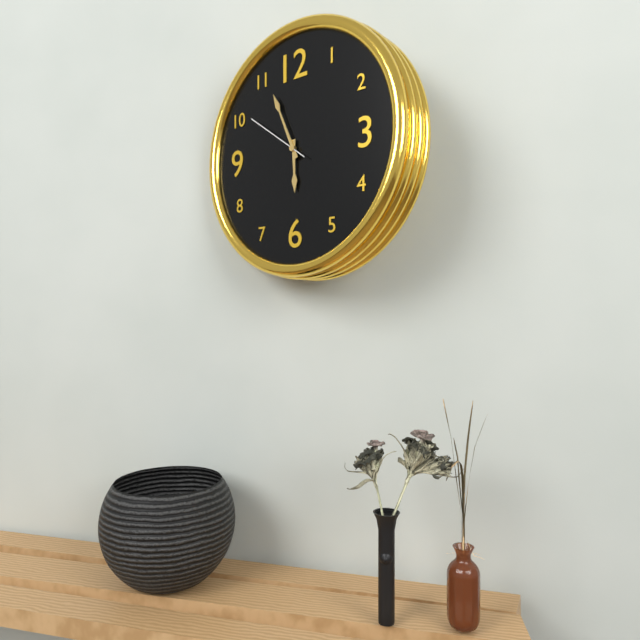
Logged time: 5 h 56 min 51 s
